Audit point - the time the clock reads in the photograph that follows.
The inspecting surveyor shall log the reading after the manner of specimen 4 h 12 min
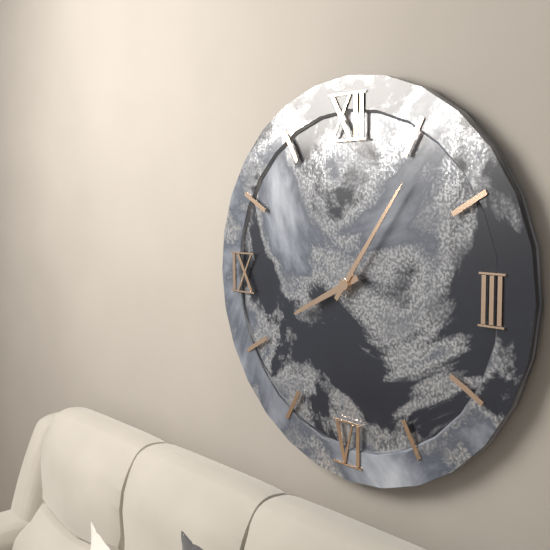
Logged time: 8 h 06 min
